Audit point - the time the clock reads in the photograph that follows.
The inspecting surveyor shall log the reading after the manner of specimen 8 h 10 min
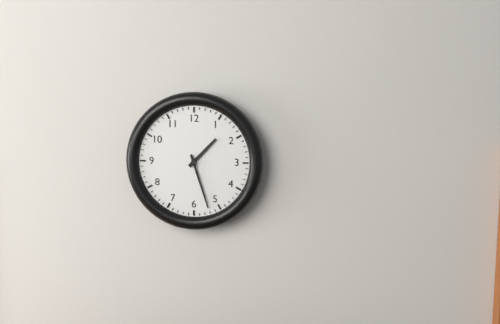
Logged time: 1 h 27 min
